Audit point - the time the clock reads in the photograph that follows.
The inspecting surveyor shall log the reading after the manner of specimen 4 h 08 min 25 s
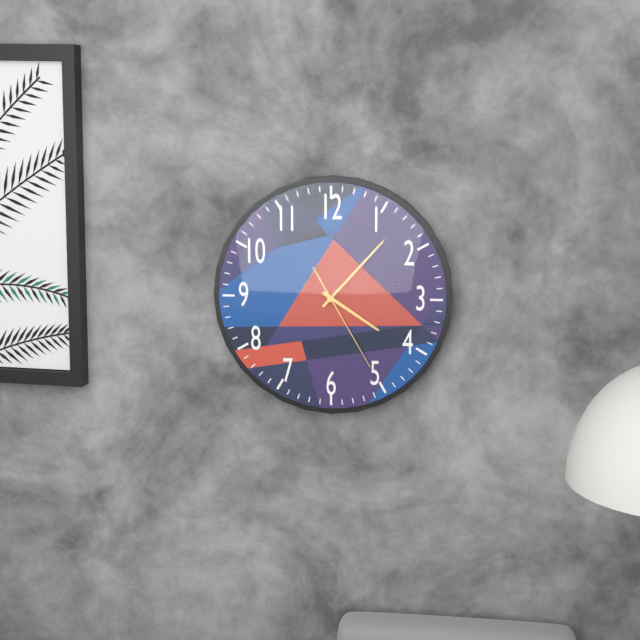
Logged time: 4 h 07 min 25 s
